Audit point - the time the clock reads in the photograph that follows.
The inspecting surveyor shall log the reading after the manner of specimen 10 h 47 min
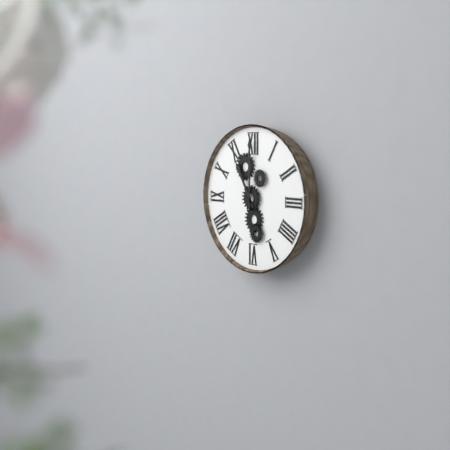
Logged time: 11 h 00 min
